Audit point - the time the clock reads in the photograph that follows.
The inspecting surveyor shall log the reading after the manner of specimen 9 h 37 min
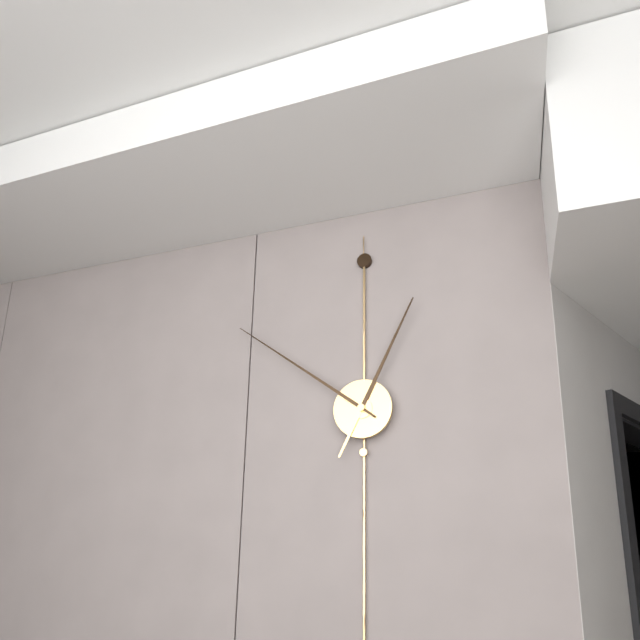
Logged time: 12 h 51 min
